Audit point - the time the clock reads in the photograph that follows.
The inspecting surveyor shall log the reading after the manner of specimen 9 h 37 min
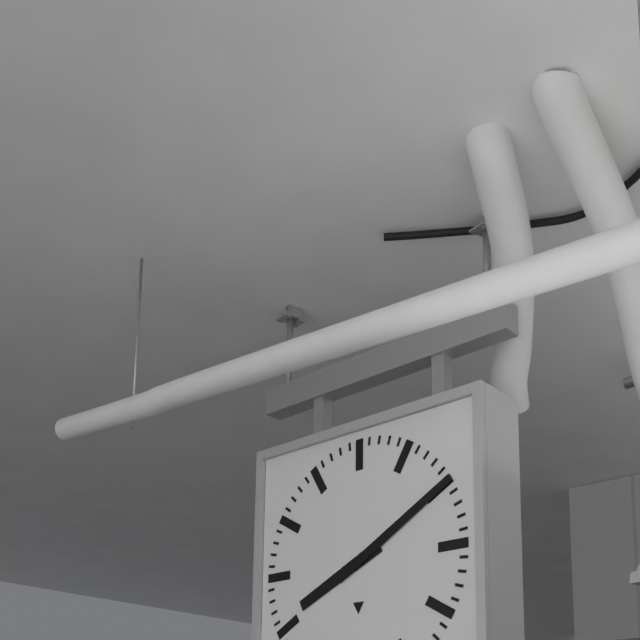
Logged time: 8 h 10 min
